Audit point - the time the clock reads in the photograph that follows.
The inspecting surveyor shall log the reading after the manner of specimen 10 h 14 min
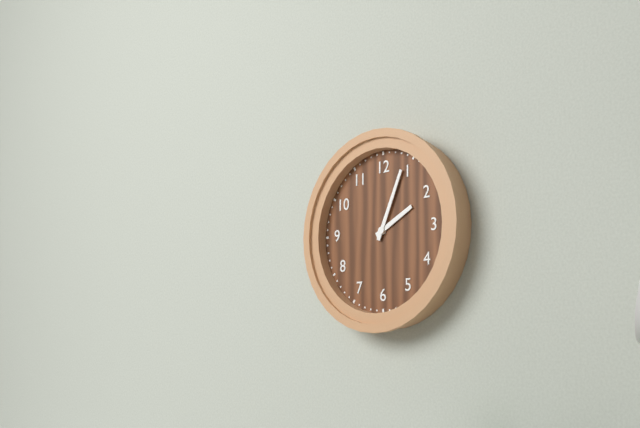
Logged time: 2 h 04 min
